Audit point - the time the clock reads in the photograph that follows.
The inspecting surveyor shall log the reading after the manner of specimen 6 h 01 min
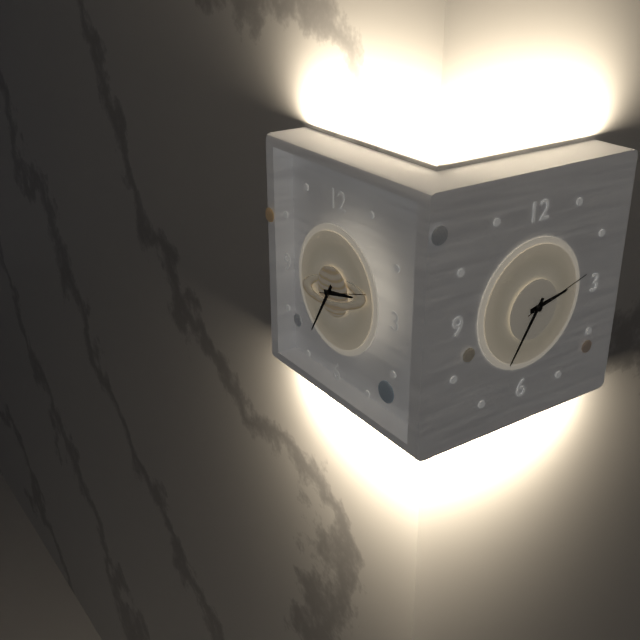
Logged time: 2 h 35 min
